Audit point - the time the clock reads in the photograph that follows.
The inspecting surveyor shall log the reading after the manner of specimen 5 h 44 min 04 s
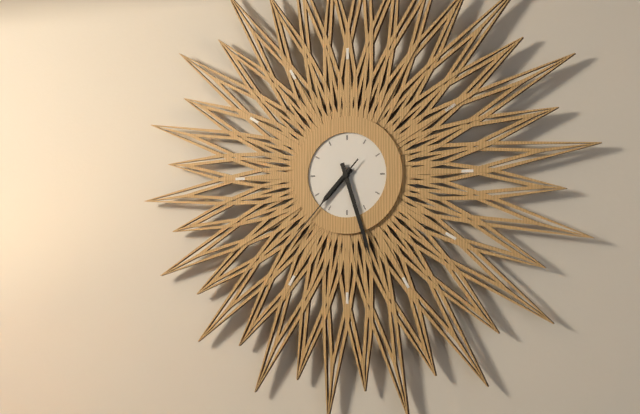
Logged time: 7 h 27 min 37 s
